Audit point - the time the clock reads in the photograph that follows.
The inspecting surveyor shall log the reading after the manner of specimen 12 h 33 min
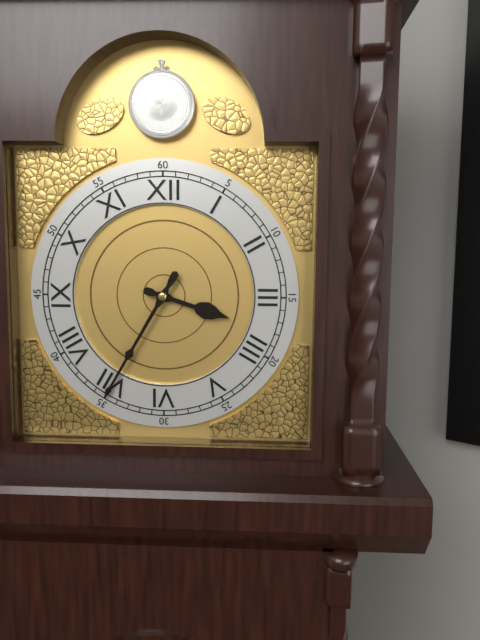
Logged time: 3 h 35 min
